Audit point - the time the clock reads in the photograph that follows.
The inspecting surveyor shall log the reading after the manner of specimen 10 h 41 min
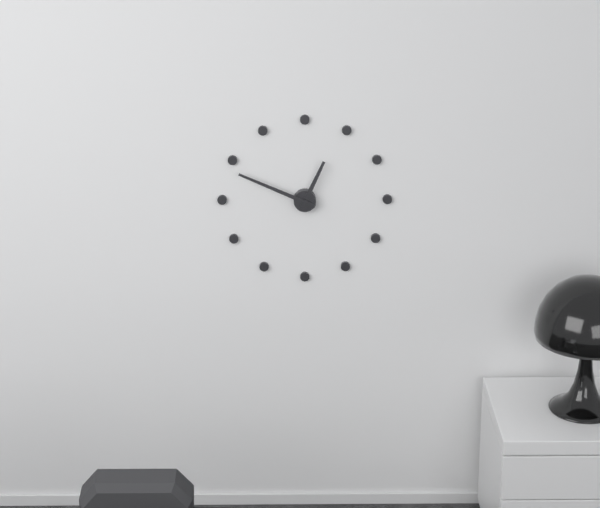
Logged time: 12 h 49 min
